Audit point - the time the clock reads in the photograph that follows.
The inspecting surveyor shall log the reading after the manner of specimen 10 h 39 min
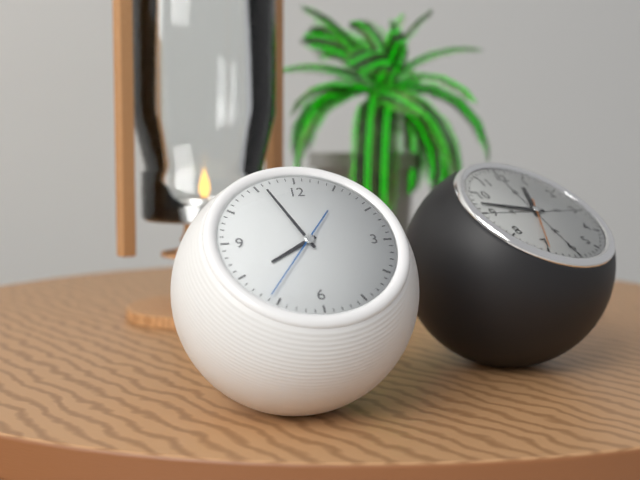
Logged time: 7 h 56 min
